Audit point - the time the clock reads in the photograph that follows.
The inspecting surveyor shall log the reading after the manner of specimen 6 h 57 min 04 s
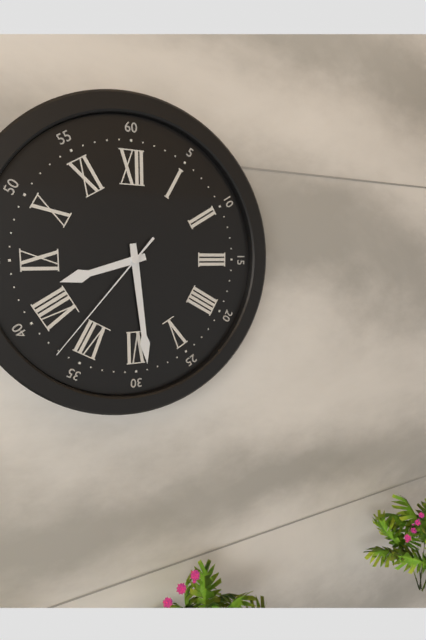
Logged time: 8 h 29 min 37 s
